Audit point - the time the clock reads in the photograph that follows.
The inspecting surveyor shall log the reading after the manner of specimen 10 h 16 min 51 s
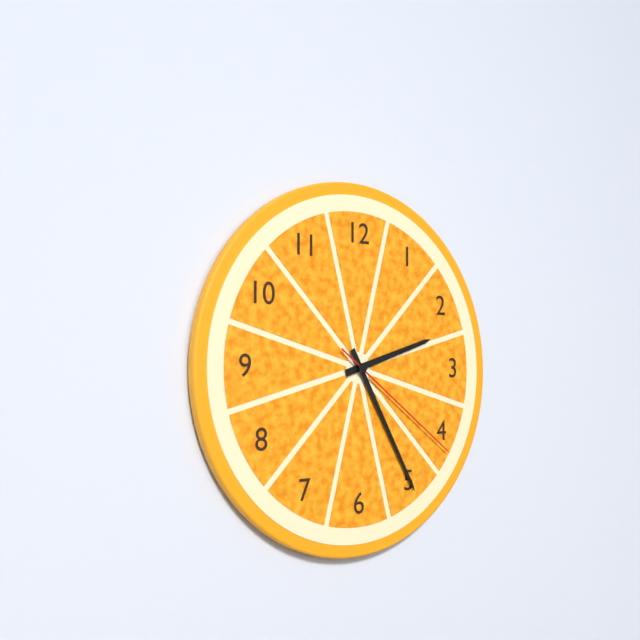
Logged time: 2 h 25 min 21 s
